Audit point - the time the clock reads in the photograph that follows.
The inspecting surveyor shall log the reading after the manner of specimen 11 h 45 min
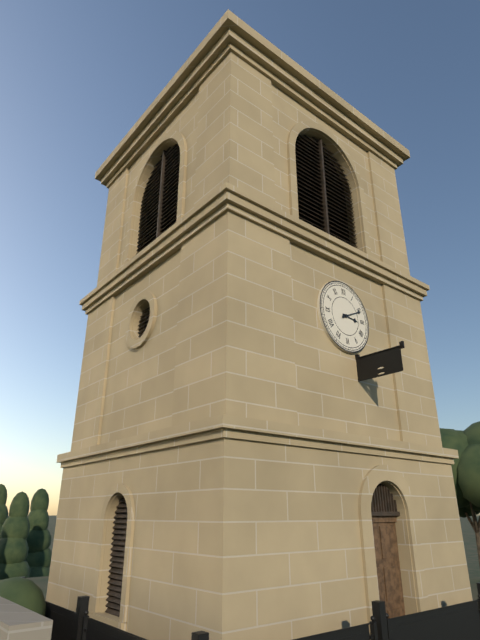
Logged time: 3 h 11 min
